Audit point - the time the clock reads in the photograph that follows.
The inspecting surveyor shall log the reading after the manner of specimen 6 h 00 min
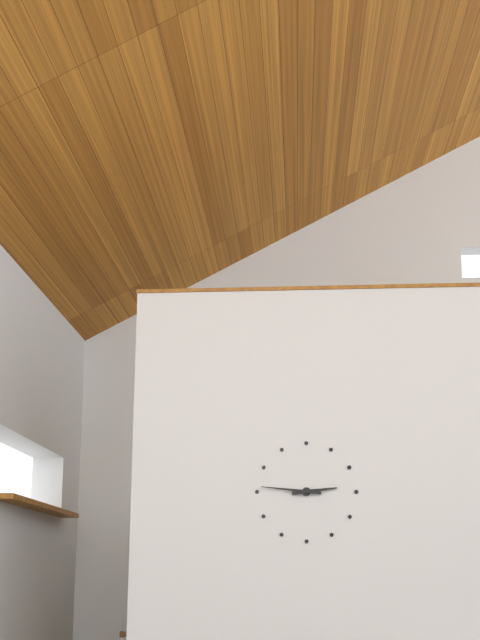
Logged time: 2 h 46 min
